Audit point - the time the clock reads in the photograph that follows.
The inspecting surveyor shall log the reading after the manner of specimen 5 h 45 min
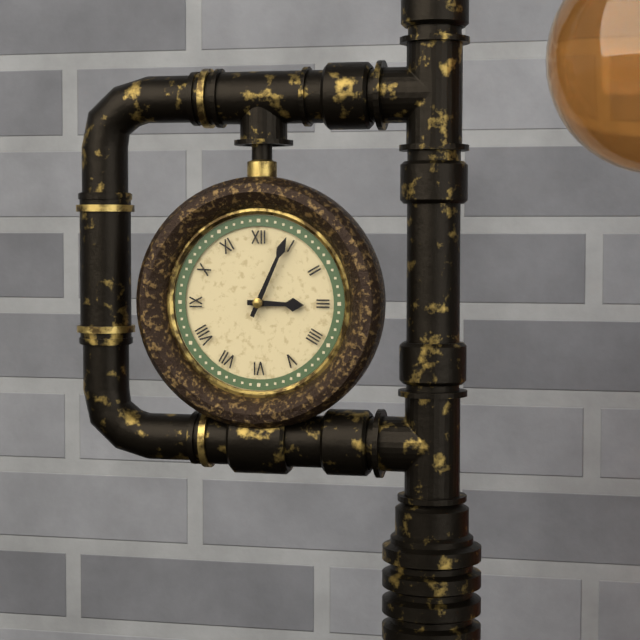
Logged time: 3 h 04 min
